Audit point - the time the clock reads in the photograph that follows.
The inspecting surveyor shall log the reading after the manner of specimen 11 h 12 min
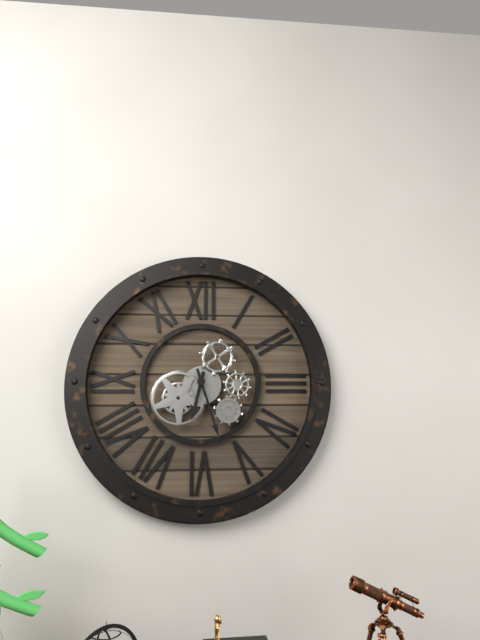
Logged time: 6 h 27 min
